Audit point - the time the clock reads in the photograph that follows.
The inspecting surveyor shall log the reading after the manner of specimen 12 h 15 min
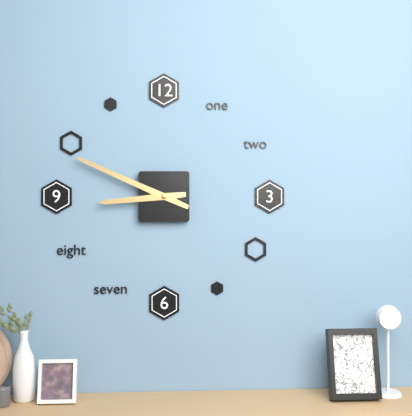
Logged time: 8 h 49 min
